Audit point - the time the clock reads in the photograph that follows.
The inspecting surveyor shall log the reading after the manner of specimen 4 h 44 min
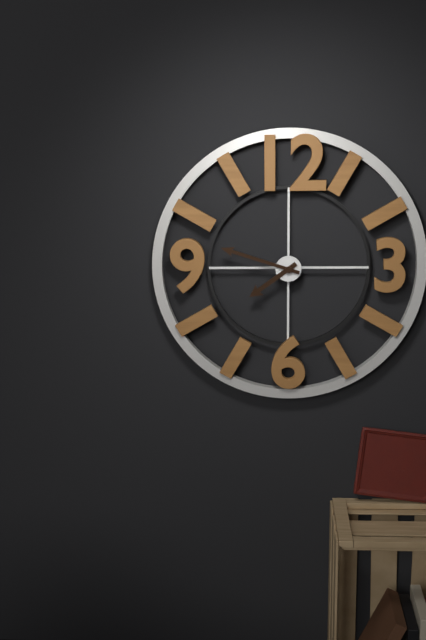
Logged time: 7 h 48 min
